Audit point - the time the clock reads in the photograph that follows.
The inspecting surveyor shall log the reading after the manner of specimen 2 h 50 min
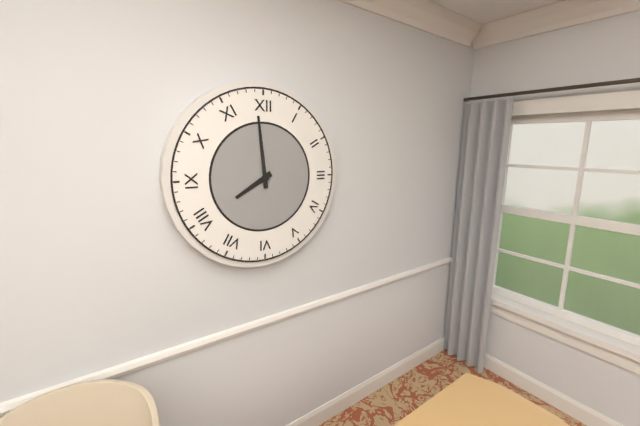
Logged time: 7 h 59 min
